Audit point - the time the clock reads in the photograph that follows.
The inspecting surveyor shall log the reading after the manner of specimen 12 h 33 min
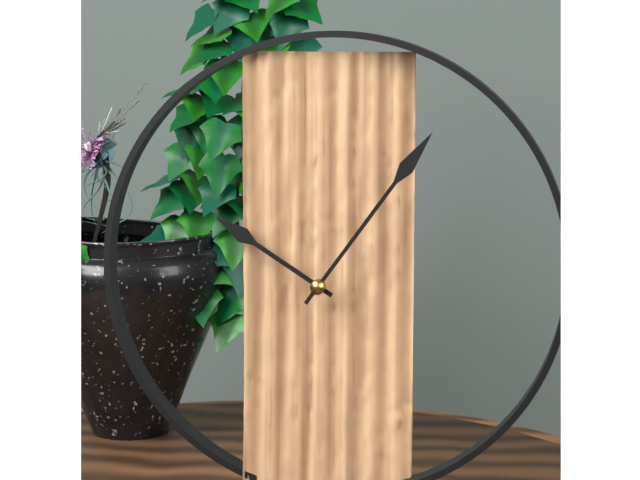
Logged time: 10 h 06 min
